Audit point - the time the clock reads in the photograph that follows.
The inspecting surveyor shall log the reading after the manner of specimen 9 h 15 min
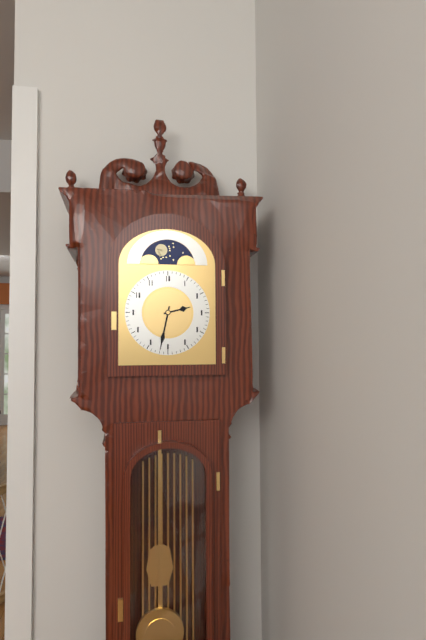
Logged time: 2 h 32 min
